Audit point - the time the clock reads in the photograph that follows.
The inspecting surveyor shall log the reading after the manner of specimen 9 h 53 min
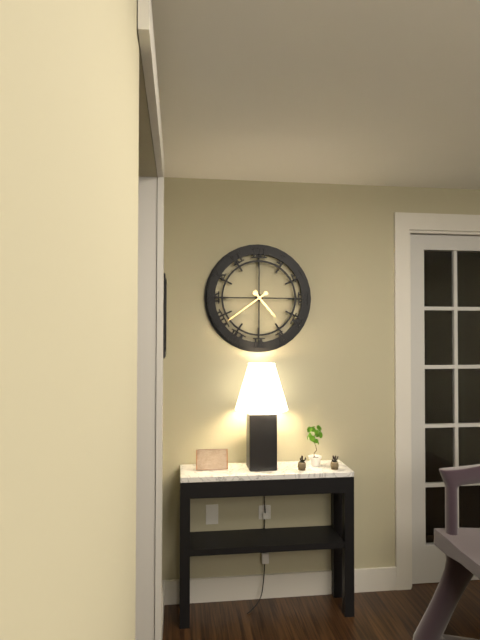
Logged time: 4 h 39 min
